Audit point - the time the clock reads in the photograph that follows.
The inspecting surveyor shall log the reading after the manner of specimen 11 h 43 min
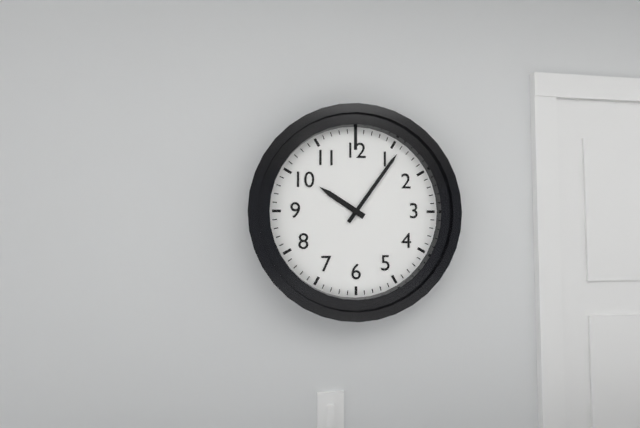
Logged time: 10 h 06 min
